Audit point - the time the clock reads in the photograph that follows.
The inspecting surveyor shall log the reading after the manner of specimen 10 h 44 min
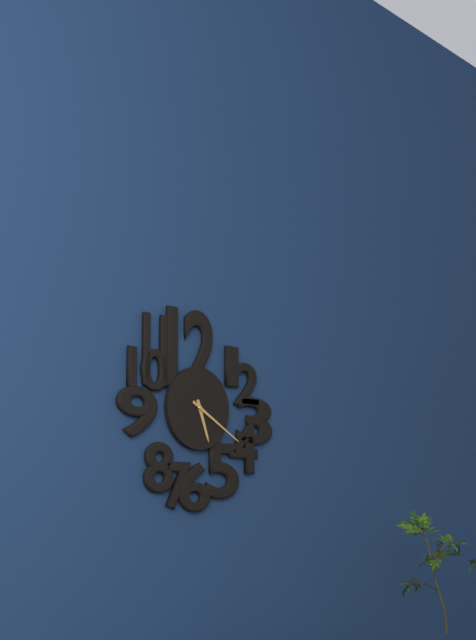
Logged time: 5 h 20 min
